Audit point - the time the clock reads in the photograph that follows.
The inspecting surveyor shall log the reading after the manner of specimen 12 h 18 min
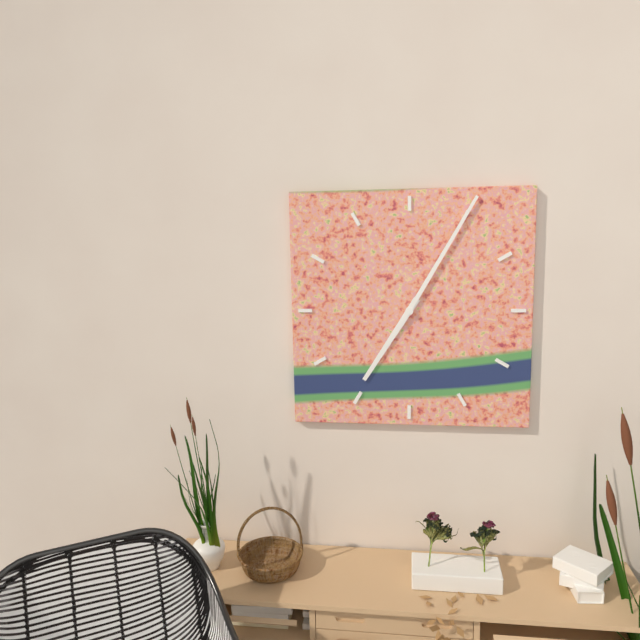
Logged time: 7 h 05 min
